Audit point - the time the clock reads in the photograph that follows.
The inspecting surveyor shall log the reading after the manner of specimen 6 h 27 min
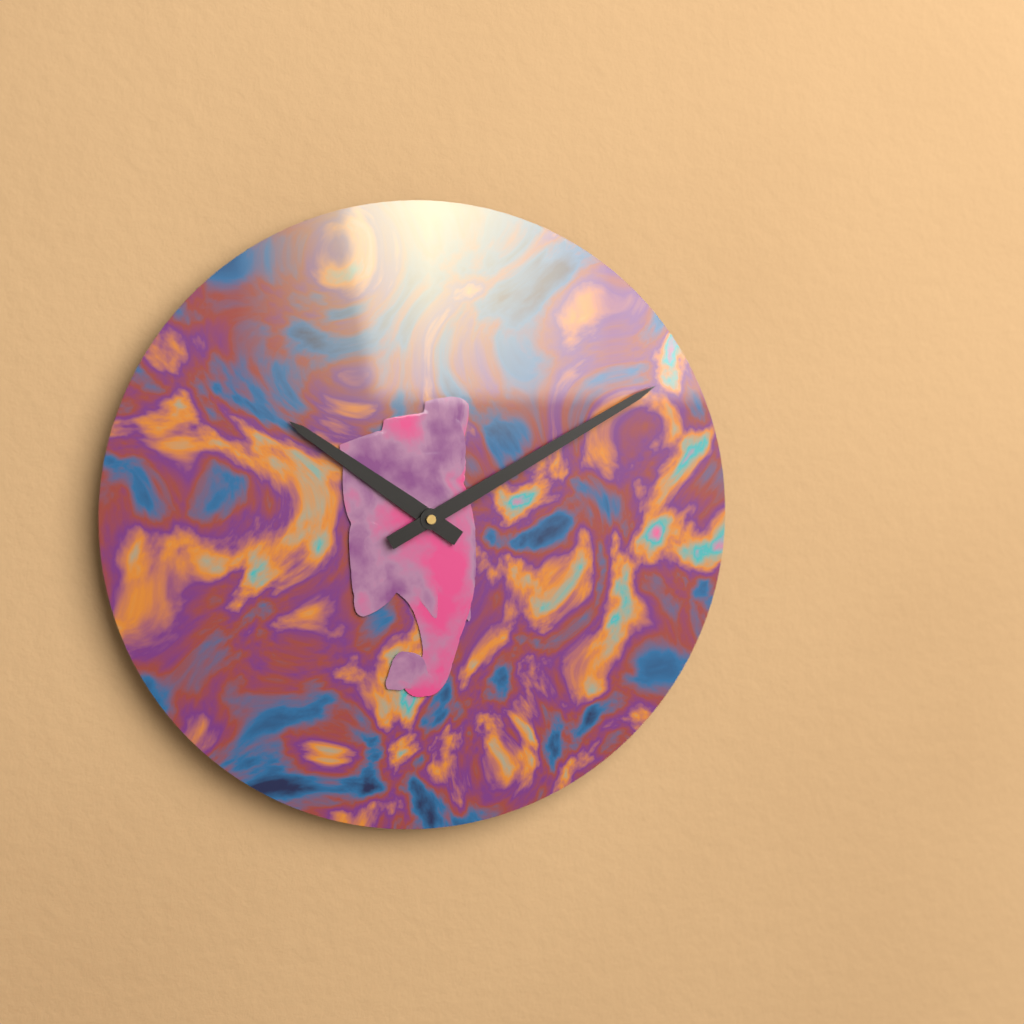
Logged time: 10 h 10 min
